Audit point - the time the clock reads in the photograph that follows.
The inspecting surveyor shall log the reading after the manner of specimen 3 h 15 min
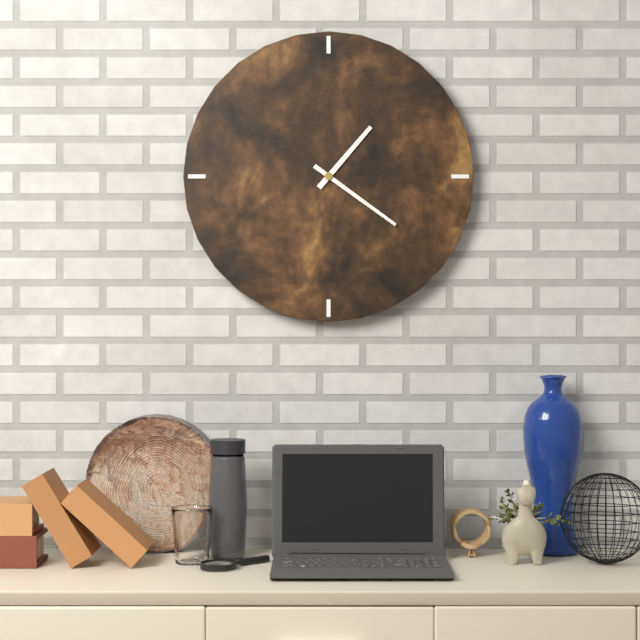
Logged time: 1 h 21 min
